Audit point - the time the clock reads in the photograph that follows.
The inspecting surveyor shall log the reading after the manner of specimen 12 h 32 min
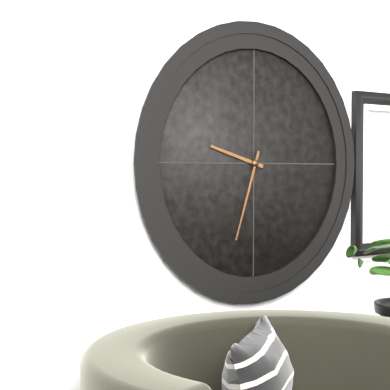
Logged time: 9 h 33 min
